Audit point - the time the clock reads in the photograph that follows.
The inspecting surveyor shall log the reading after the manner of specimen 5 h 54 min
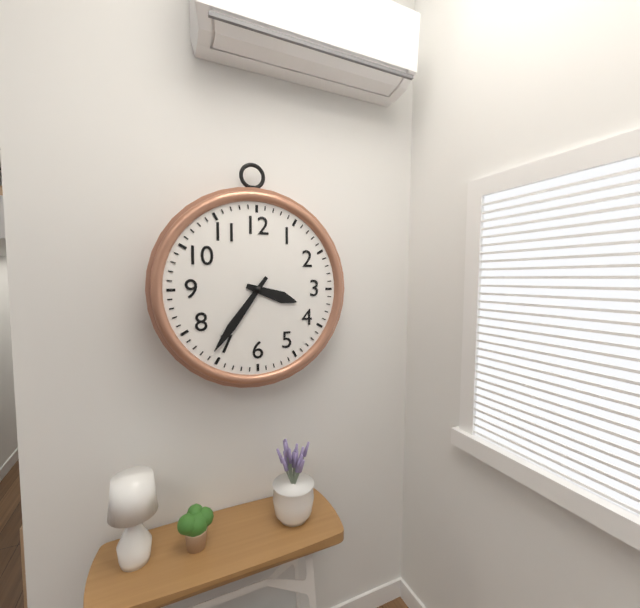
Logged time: 3 h 36 min
